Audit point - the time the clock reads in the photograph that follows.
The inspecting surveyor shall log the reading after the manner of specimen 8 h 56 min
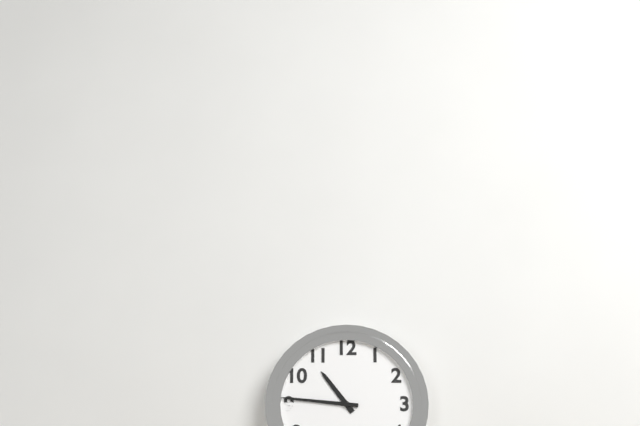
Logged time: 10 h 46 min
